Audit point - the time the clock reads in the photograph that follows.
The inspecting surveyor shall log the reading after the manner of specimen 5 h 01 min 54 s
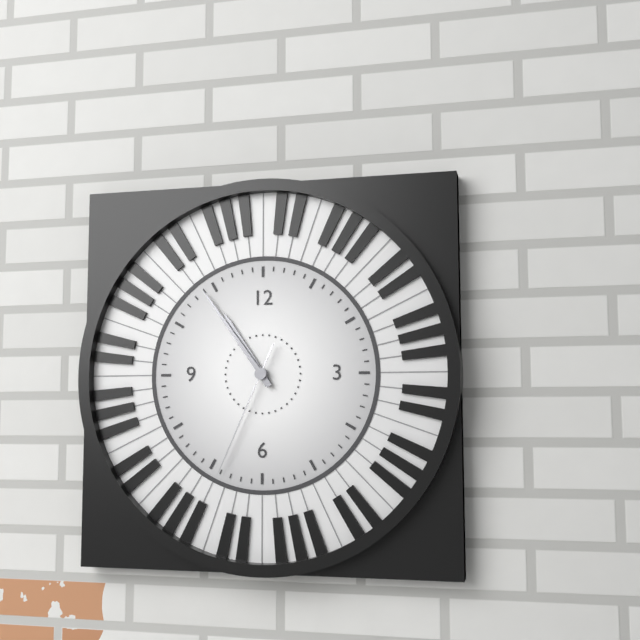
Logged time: 10 h 54 min 34 s
